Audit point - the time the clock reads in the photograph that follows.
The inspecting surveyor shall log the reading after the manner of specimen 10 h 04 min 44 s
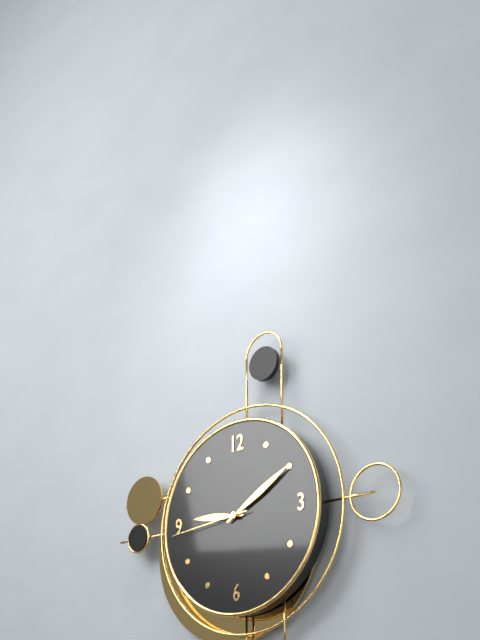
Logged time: 9 h 10 min 44 s
